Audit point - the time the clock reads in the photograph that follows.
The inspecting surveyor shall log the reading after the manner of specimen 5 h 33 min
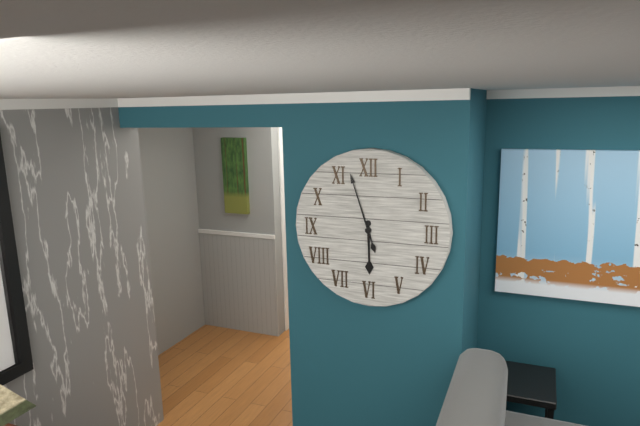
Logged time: 5 h 57 min
